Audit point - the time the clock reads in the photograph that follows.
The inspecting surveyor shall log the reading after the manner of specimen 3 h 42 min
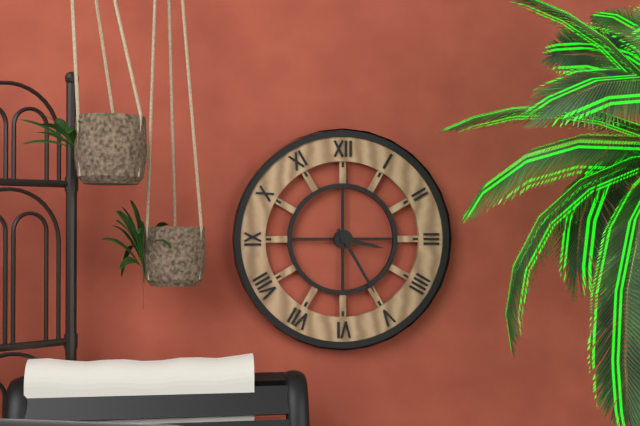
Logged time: 3 h 25 min
